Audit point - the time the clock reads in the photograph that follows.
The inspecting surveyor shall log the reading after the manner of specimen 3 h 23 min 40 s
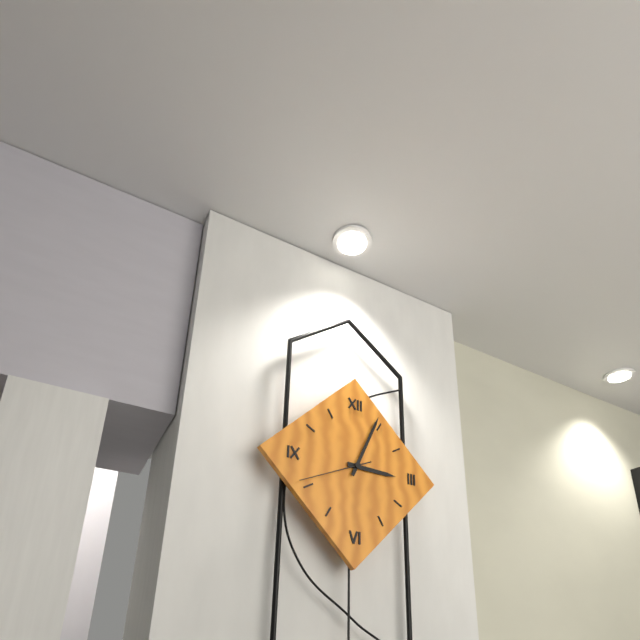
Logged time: 3 h 04 min 41 s
